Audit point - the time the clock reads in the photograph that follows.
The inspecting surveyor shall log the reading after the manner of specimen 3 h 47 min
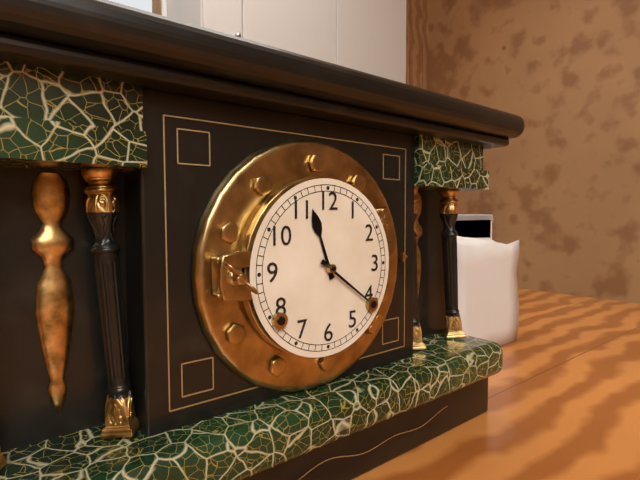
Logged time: 11 h 21 min
